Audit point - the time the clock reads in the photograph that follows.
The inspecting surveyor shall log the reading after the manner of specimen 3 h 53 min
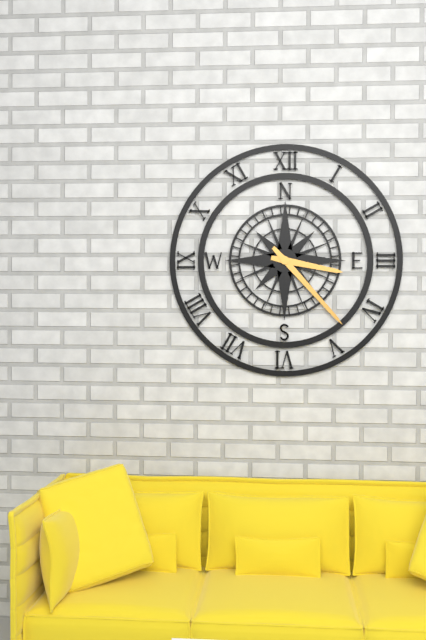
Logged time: 3 h 23 min
